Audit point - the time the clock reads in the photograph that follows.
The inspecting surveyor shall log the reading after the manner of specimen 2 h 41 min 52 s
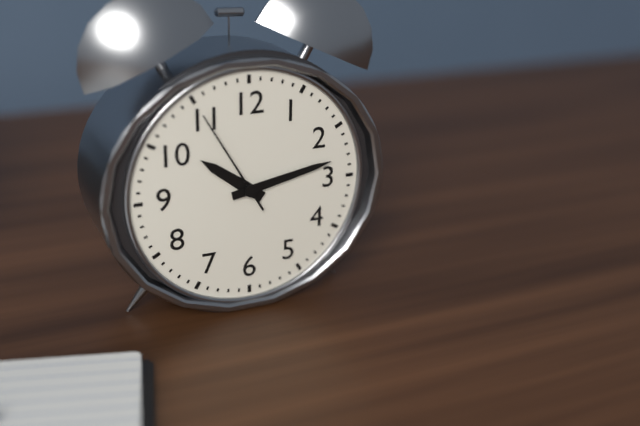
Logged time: 10 h 13 min 55 s
